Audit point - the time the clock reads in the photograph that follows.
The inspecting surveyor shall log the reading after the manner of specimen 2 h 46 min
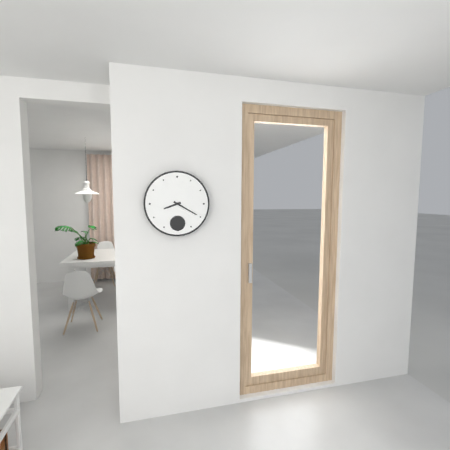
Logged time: 8 h 20 min
